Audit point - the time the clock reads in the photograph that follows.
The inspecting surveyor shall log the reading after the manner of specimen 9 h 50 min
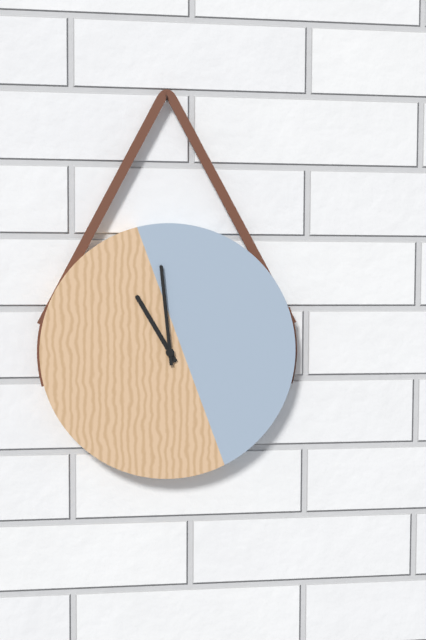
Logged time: 10 h 59 min
